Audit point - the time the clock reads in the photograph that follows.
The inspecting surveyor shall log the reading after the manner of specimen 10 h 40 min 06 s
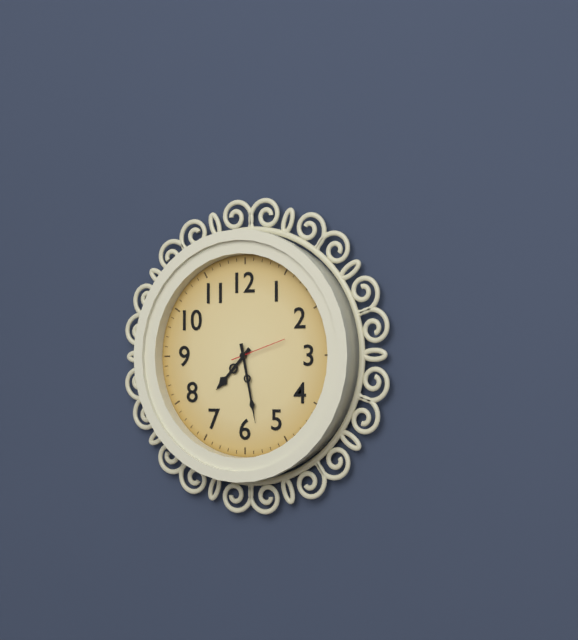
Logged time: 7 h 28 min 12 s
